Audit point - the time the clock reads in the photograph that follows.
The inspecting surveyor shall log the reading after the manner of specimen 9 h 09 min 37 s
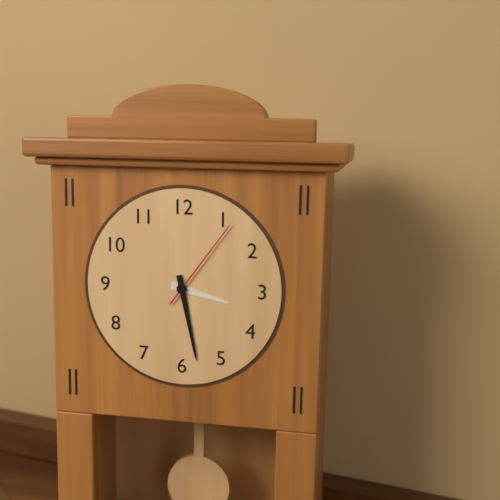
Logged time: 3 h 28 min 06 s
